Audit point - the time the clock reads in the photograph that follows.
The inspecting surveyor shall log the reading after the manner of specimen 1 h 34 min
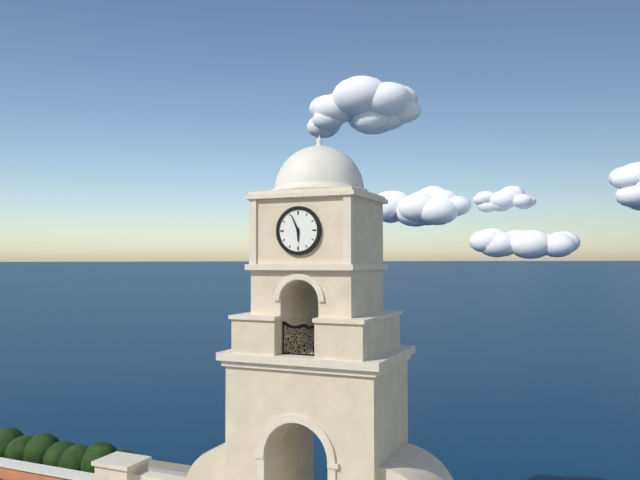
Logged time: 5 h 56 min
